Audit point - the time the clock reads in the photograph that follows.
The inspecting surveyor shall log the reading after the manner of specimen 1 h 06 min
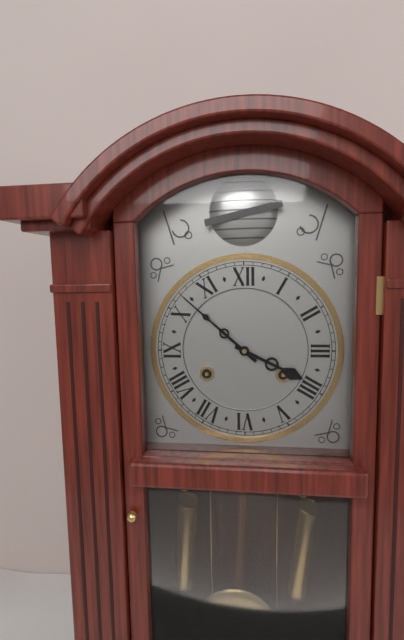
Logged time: 3 h 52 min
